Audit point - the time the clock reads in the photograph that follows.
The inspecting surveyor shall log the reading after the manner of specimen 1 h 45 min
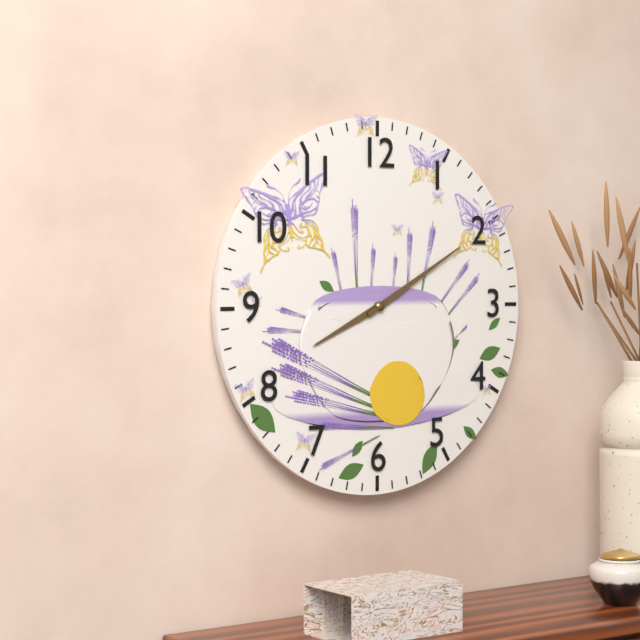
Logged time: 8 h 10 min
